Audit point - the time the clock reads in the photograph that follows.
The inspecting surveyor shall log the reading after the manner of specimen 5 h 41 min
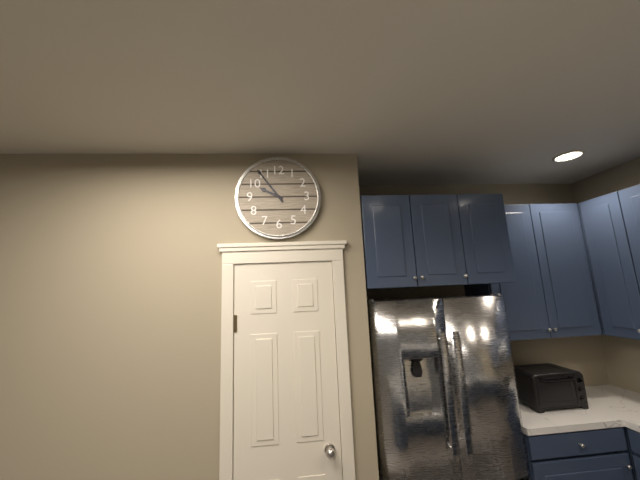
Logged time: 9 h 54 min
